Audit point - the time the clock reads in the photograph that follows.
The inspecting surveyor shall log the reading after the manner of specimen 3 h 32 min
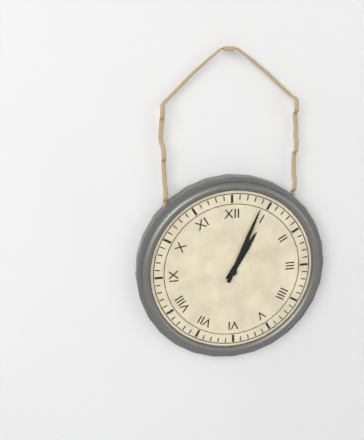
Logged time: 1 h 04 min
